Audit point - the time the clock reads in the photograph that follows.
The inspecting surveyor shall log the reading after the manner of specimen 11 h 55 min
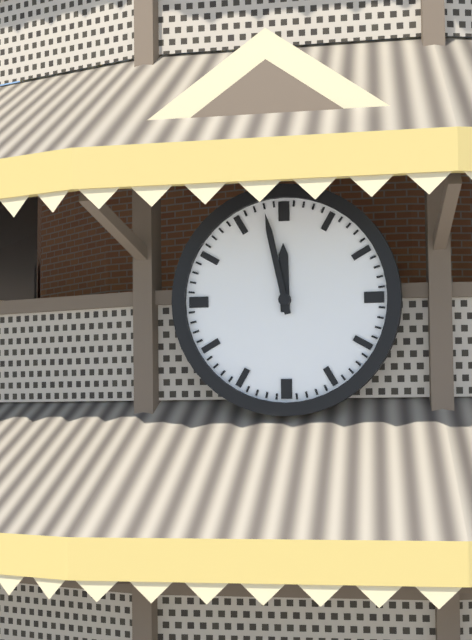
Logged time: 11 h 58 min
